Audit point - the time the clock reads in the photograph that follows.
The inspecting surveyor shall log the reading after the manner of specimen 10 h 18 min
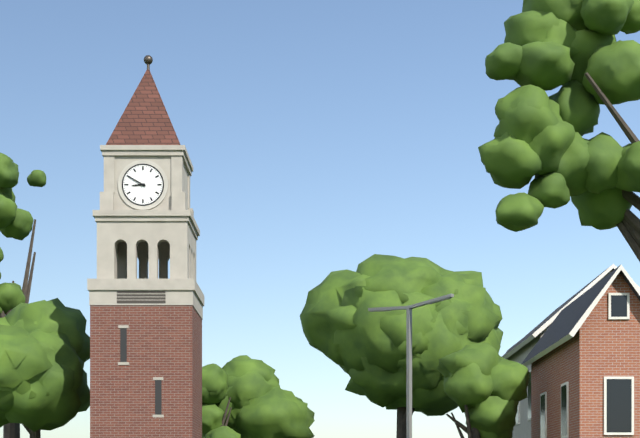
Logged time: 8 h 50 min
